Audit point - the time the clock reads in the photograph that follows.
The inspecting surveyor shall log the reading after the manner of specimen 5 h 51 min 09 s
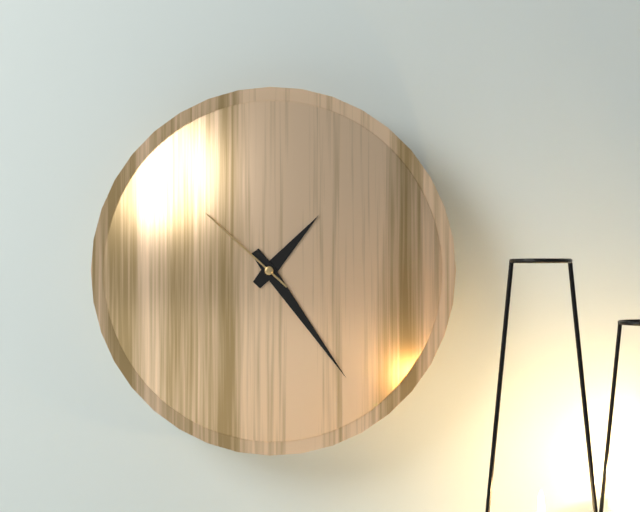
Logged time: 1 h 24 min 52 s
